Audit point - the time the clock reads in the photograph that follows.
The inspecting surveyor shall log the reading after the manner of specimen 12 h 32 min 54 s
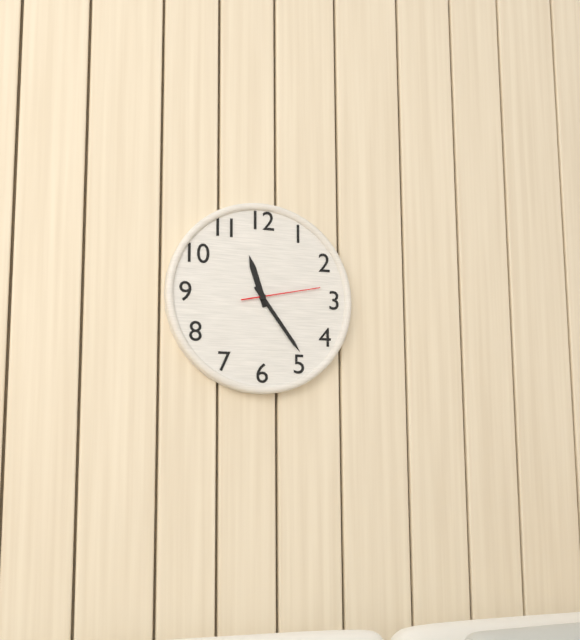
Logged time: 11 h 24 min 13 s
